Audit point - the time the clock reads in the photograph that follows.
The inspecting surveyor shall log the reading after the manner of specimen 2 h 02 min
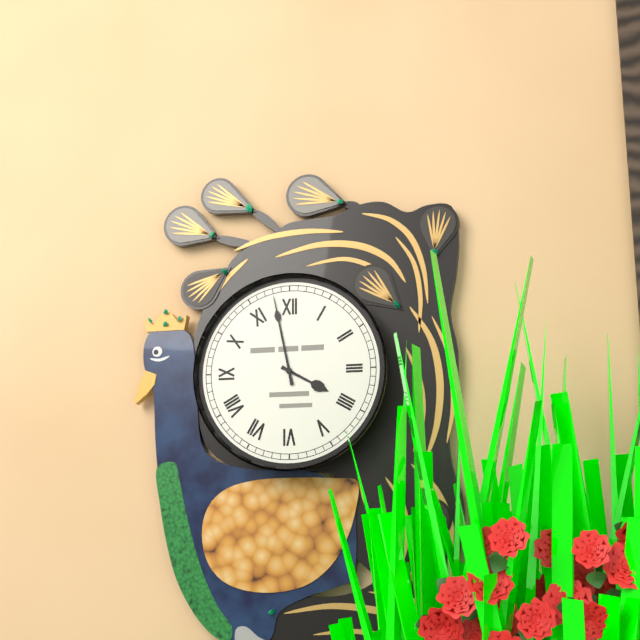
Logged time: 3 h 58 min
